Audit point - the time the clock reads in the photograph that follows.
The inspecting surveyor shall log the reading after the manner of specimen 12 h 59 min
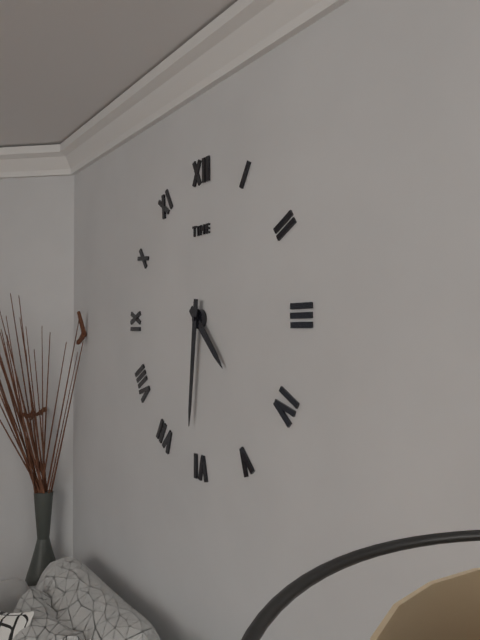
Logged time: 4 h 31 min
